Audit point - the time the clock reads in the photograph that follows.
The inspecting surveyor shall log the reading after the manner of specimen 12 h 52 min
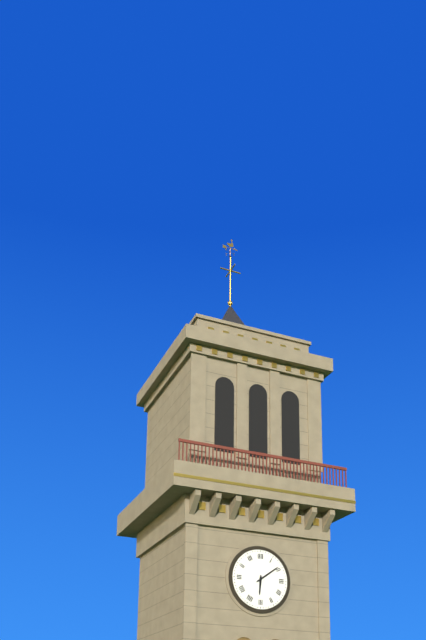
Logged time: 6 h 09 min
